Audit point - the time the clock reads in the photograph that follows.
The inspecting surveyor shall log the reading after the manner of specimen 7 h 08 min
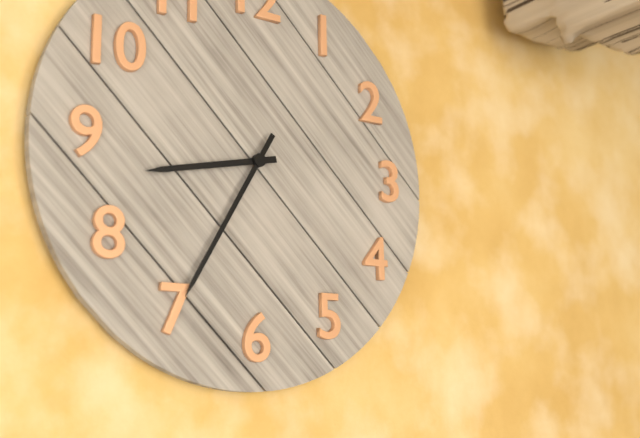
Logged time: 8 h 35 min
